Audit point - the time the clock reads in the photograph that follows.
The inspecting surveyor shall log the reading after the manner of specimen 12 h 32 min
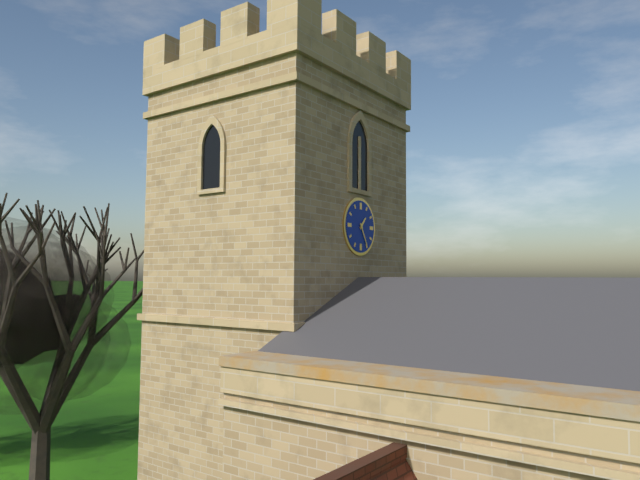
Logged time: 1 h 25 min
